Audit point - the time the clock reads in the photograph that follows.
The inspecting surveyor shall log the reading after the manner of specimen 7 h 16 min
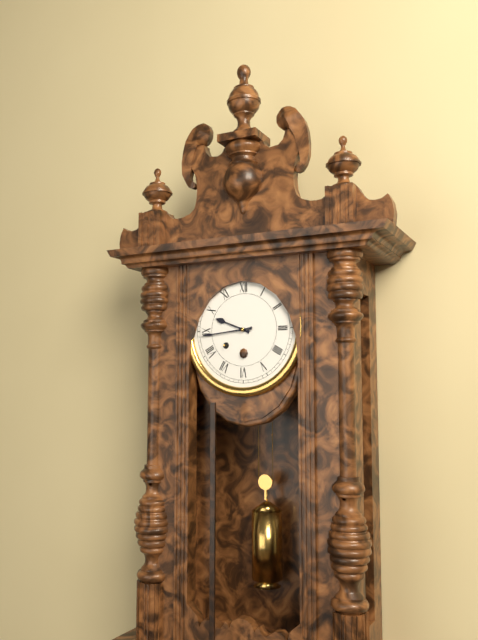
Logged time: 9 h 44 min
